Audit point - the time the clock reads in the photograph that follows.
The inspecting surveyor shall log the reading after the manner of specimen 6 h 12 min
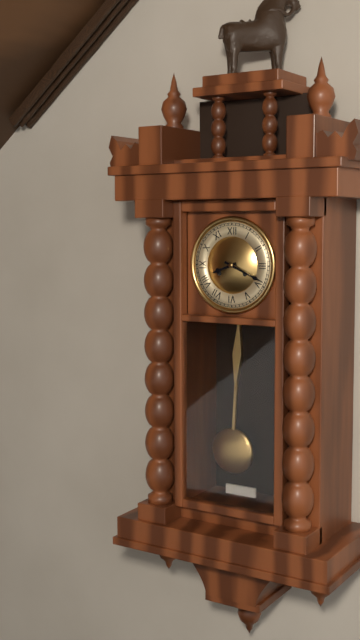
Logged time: 8 h 19 min
